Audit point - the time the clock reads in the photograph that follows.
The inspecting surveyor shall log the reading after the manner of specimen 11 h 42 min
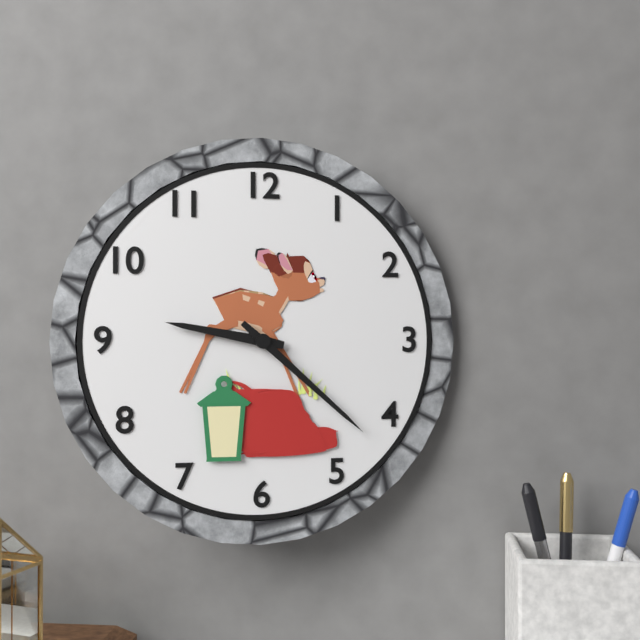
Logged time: 9 h 22 min
